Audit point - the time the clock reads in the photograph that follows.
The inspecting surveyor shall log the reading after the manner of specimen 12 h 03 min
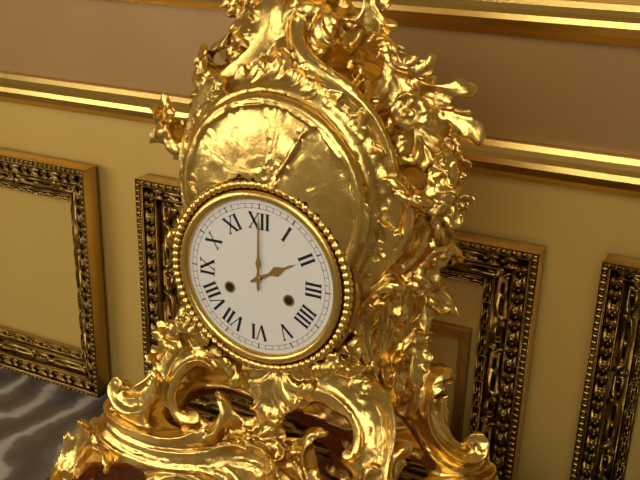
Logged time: 2 h 00 min
